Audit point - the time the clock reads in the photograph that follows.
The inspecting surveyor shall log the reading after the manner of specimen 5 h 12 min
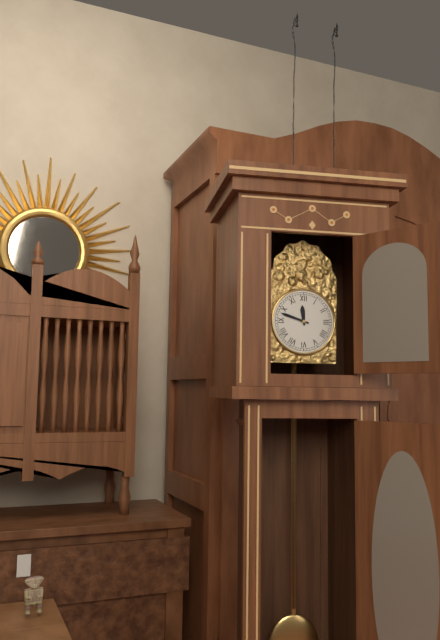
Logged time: 11 h 48 min
